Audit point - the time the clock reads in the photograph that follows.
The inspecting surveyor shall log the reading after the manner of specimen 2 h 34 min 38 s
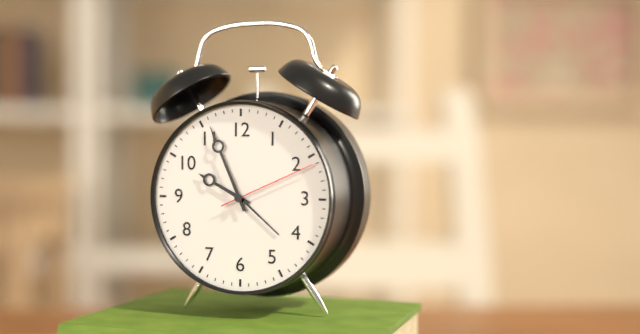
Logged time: 9 h 56 min 11 s
